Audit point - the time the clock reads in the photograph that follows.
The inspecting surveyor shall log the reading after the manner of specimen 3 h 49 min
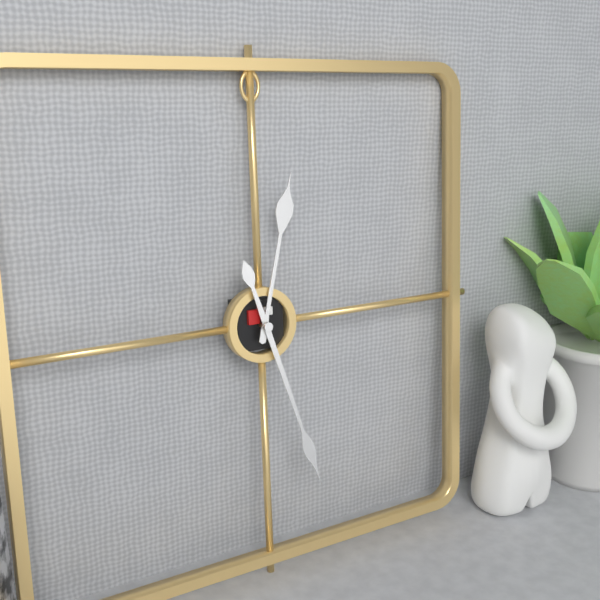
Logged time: 12 h 27 min
